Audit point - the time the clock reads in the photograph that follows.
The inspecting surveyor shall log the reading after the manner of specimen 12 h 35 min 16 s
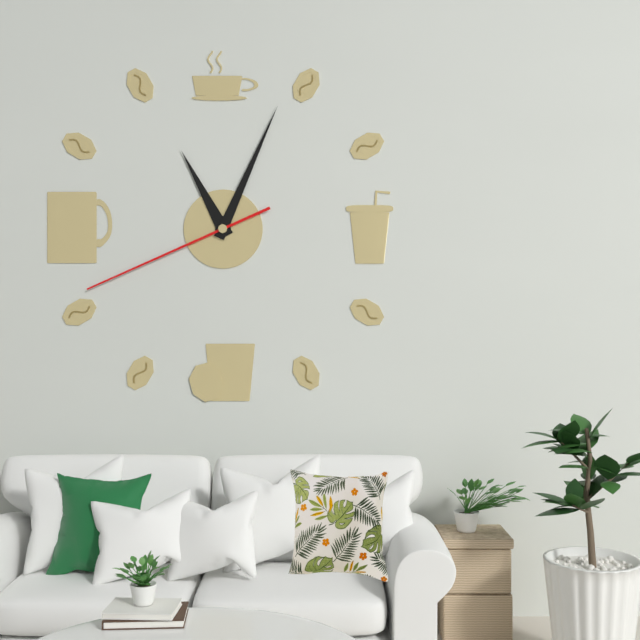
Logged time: 11 h 04 min 41 s
